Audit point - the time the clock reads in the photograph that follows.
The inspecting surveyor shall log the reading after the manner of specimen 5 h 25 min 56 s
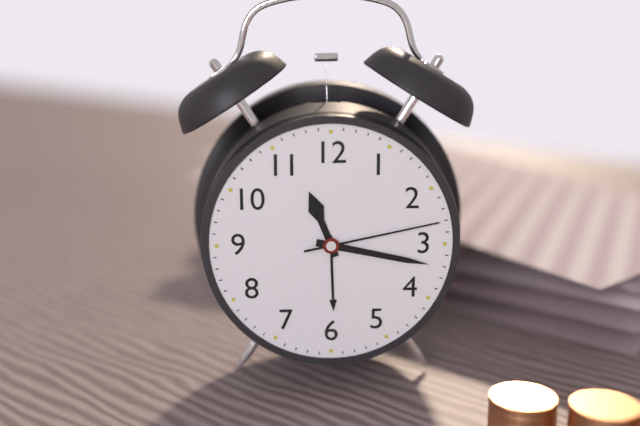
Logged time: 11 h 17 min 13 s
